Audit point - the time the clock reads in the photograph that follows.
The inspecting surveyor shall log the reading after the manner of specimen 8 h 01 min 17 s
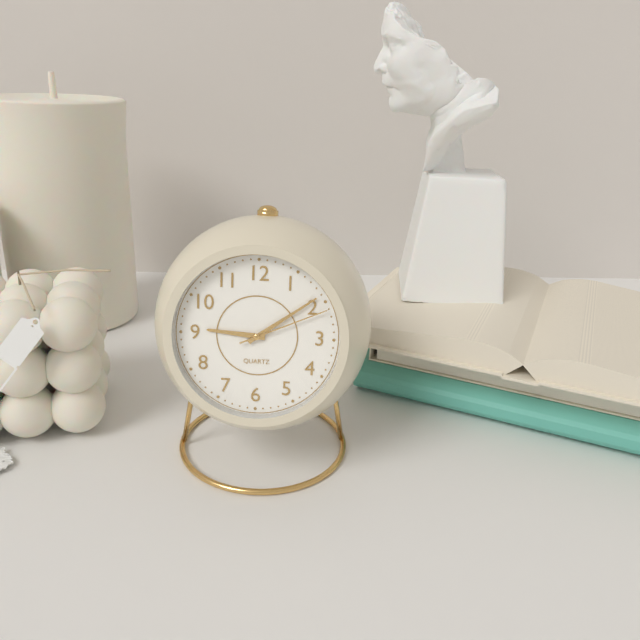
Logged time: 9 h 09 min 11 s
